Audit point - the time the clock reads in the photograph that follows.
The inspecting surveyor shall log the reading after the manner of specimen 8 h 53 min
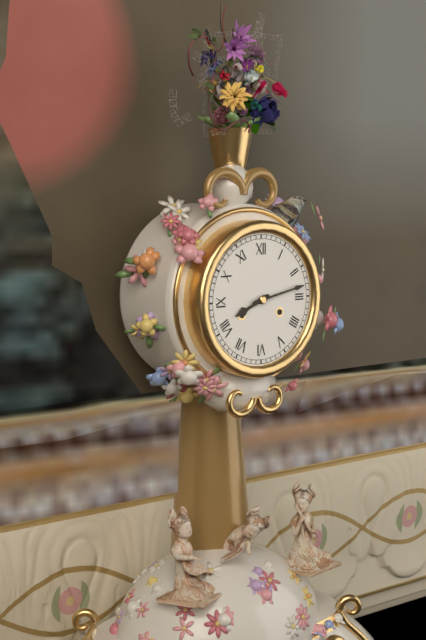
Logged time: 8 h 13 min
